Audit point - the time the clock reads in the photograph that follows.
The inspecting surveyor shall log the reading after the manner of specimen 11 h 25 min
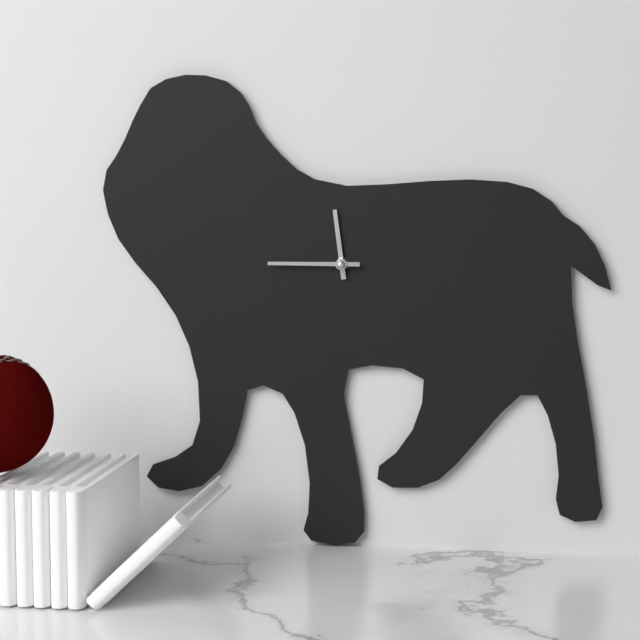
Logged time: 11 h 45 min
